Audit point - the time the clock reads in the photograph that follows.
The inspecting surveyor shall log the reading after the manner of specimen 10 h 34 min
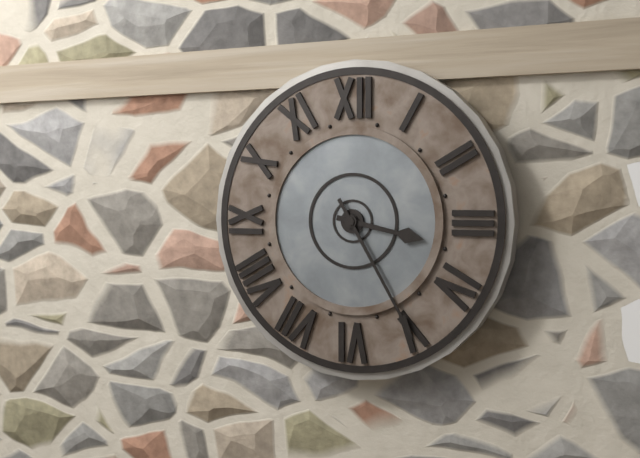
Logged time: 3 h 25 min
